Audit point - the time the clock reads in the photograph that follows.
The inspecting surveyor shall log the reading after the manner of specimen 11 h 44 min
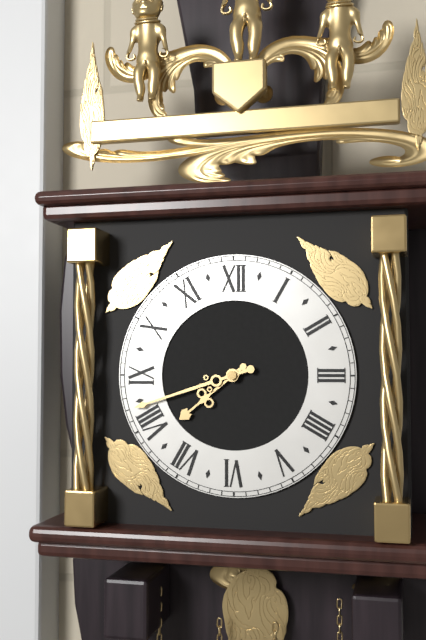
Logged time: 7 h 42 min
